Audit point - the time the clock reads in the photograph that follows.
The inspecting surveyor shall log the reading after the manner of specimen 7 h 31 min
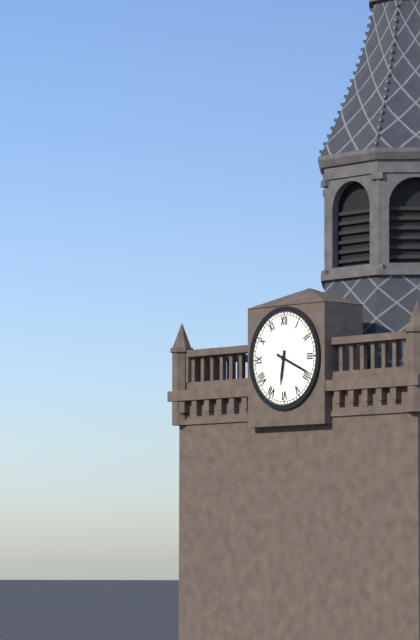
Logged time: 6 h 19 min
